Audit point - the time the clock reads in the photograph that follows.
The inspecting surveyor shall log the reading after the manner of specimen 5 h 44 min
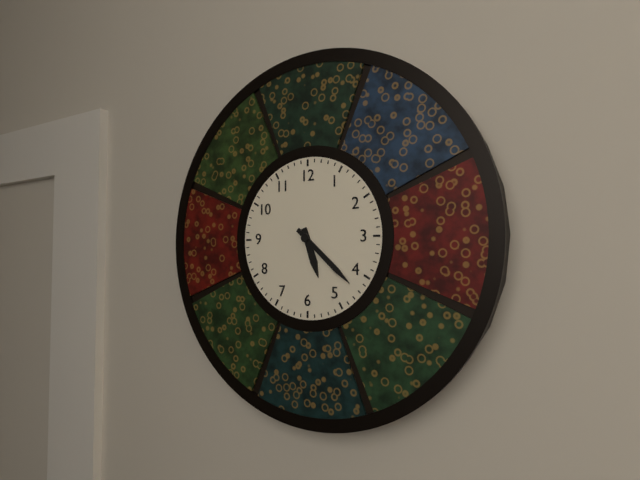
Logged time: 5 h 22 min
